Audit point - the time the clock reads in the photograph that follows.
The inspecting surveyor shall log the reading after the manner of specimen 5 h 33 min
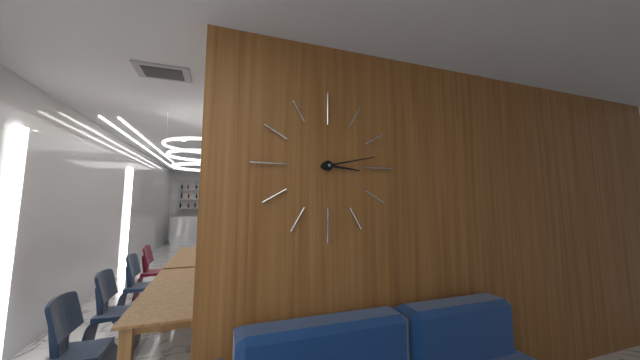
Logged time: 3 h 13 min
